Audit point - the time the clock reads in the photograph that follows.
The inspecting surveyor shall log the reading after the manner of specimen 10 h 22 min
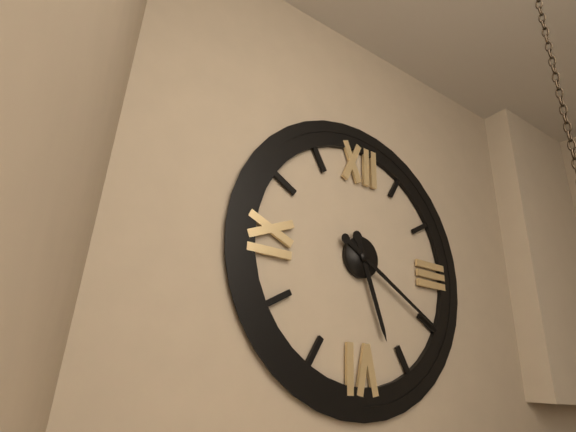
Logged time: 5 h 20 min
